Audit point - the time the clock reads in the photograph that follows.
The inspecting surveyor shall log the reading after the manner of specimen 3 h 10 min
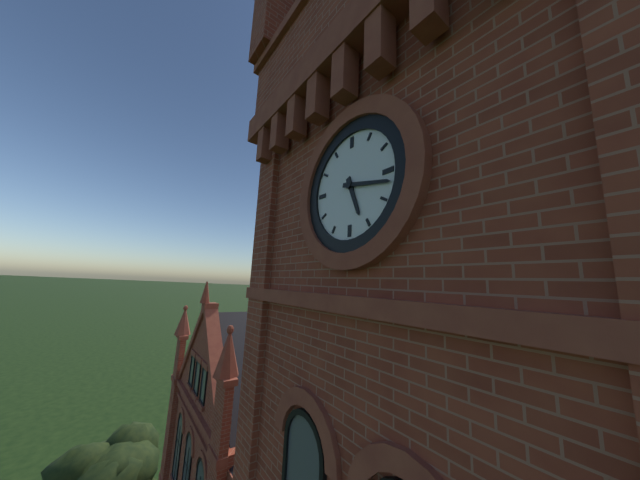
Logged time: 5 h 17 min
